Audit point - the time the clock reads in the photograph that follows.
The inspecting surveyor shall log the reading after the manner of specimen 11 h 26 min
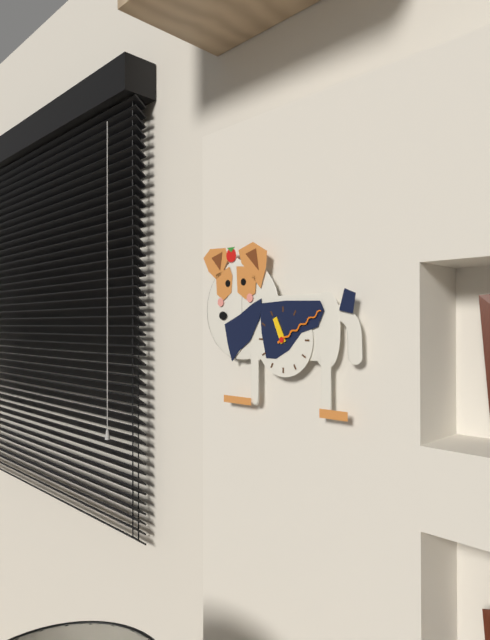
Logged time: 11 h 10 min
